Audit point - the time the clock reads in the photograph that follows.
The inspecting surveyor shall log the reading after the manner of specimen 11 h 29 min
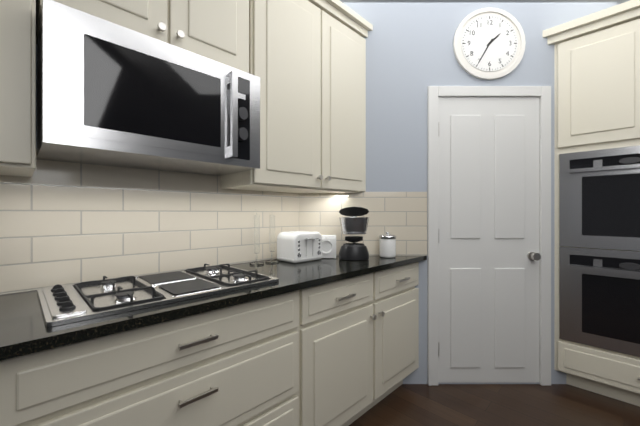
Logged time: 1 h 35 min
